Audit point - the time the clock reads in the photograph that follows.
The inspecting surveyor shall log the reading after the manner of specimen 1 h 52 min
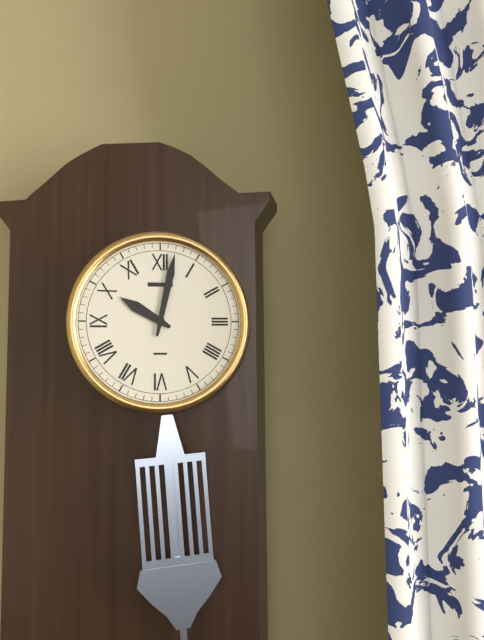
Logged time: 10 h 02 min
